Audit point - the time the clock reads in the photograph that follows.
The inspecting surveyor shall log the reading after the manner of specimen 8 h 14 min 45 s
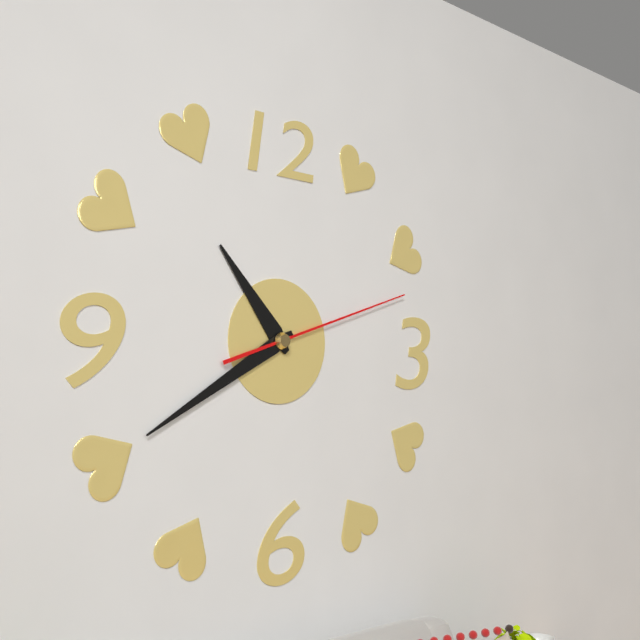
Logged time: 10 h 40 min 12 s
